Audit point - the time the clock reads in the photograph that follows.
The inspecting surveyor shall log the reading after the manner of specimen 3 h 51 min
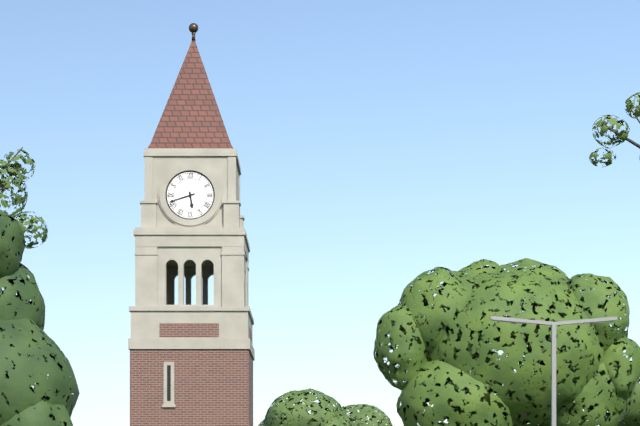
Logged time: 5 h 42 min
